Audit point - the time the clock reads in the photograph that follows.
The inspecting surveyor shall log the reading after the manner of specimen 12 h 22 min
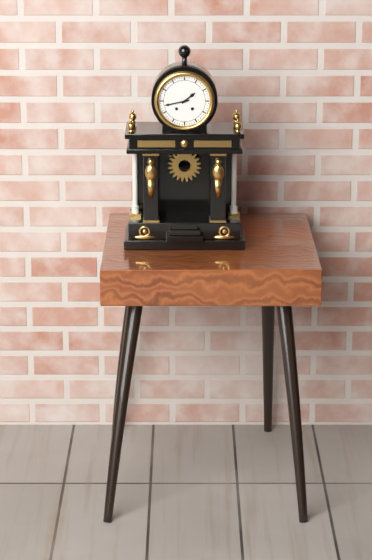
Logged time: 1 h 43 min
